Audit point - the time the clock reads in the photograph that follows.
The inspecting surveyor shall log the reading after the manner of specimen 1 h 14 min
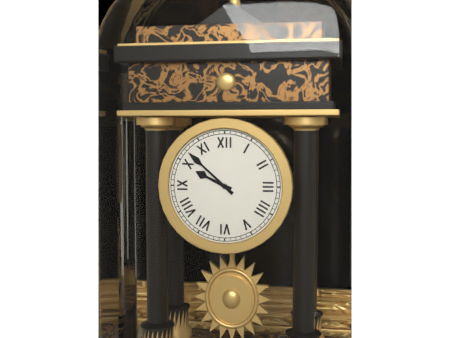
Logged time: 9 h 52 min
